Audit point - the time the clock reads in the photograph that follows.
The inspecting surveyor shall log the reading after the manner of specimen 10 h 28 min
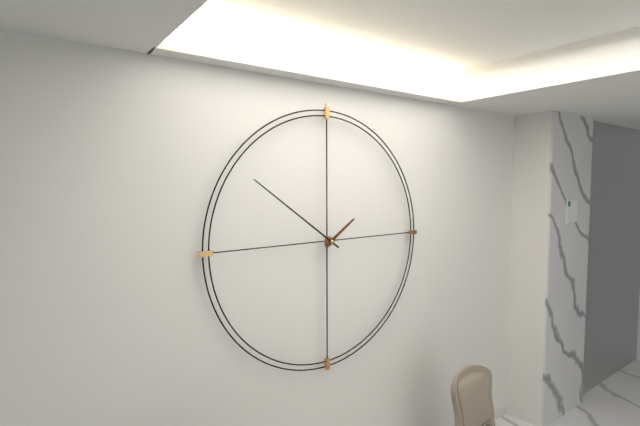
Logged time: 1 h 51 min
